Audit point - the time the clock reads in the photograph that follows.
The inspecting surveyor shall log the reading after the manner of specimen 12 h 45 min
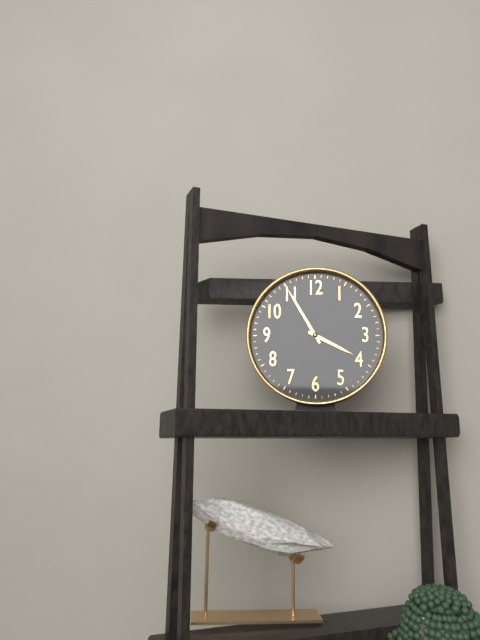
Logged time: 3 h 55 min
